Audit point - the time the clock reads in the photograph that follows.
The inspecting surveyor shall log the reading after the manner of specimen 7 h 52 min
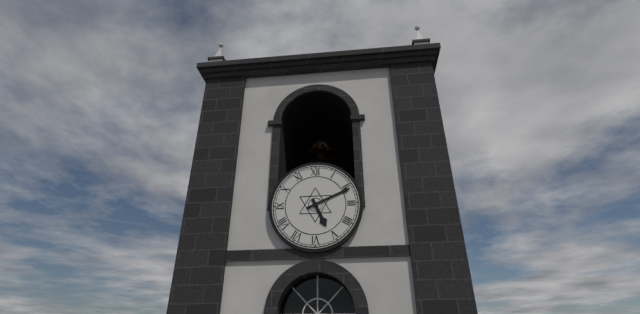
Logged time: 5 h 11 min
